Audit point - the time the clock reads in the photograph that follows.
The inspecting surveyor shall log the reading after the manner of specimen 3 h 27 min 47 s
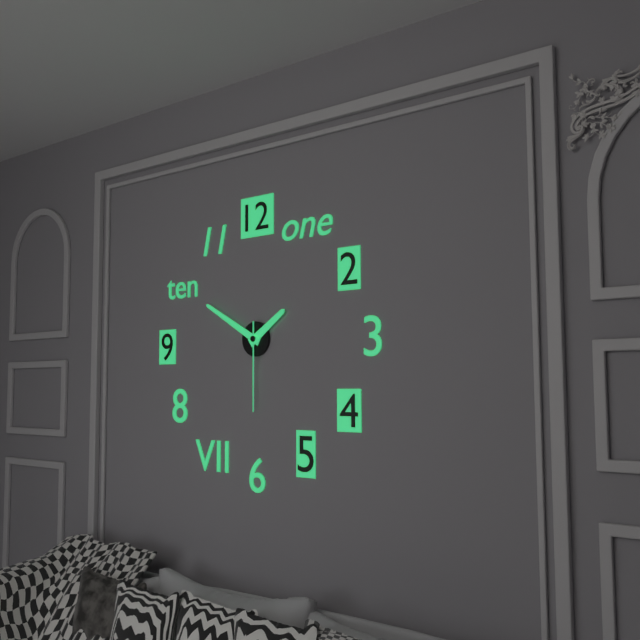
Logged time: 1 h 50 min 30 s
